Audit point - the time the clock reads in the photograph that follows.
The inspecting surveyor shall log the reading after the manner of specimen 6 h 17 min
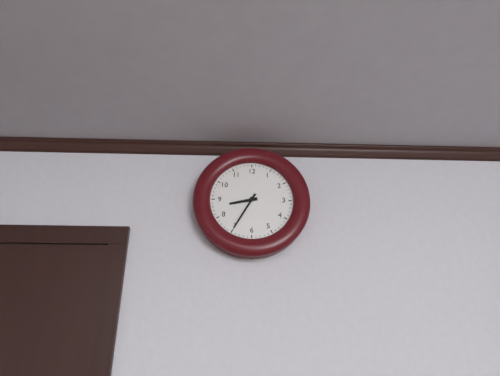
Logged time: 8 h 35 min
